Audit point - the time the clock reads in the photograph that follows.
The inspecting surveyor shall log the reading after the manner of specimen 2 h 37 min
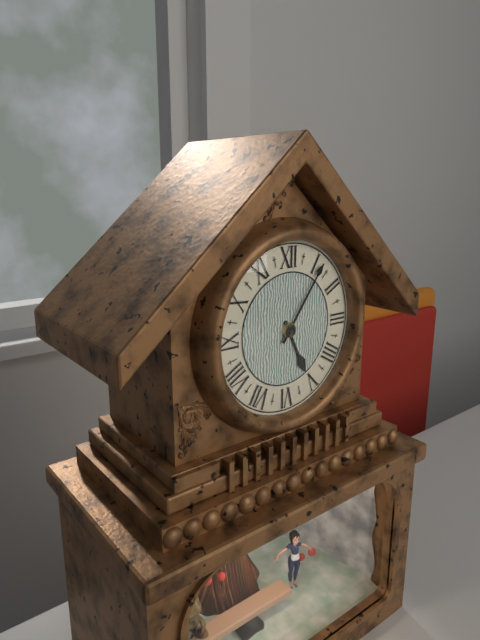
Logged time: 5 h 06 min
